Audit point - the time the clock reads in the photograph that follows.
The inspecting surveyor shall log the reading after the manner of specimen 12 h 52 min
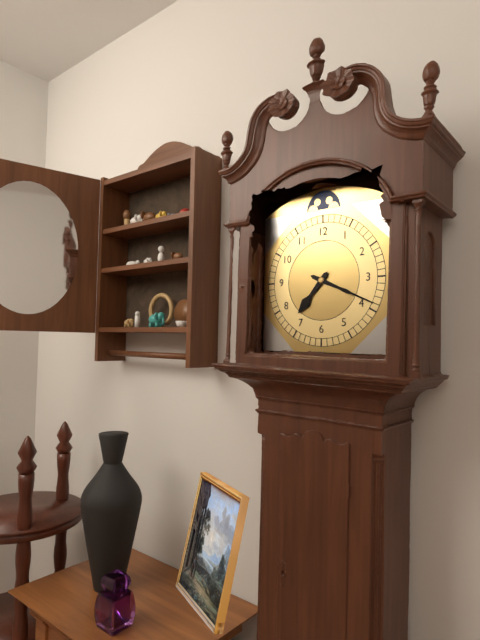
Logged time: 7 h 19 min
